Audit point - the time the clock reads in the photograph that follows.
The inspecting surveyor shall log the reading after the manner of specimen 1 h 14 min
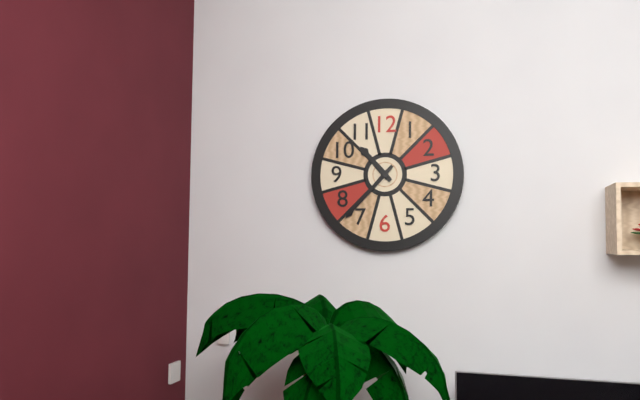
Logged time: 10 h 37 min
